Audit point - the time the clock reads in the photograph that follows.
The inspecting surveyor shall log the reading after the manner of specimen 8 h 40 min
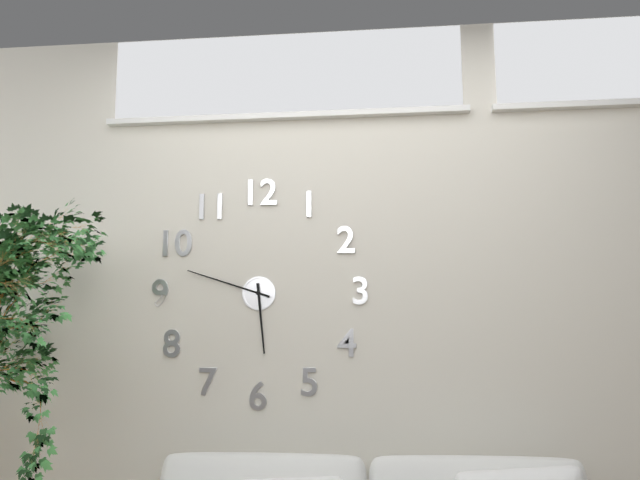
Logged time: 5 h 48 min
